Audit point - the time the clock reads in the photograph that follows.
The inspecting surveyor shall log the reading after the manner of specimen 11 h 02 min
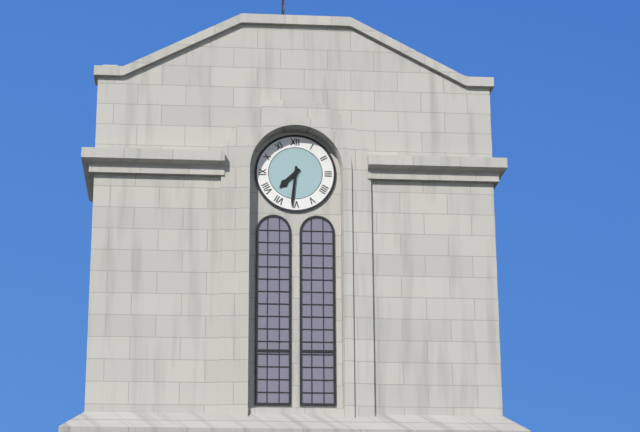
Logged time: 7 h 31 min
